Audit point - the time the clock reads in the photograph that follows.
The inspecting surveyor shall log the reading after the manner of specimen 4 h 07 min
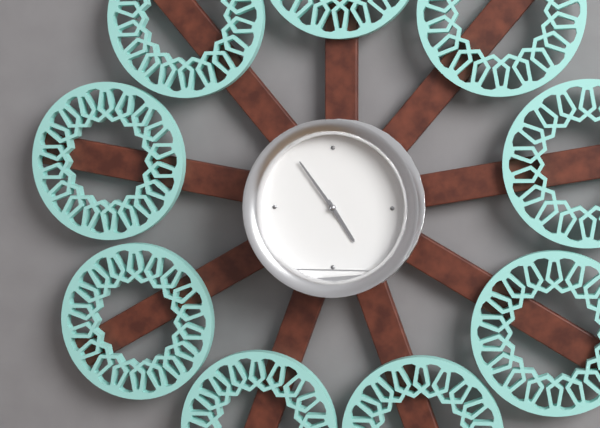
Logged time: 4 h 54 min
